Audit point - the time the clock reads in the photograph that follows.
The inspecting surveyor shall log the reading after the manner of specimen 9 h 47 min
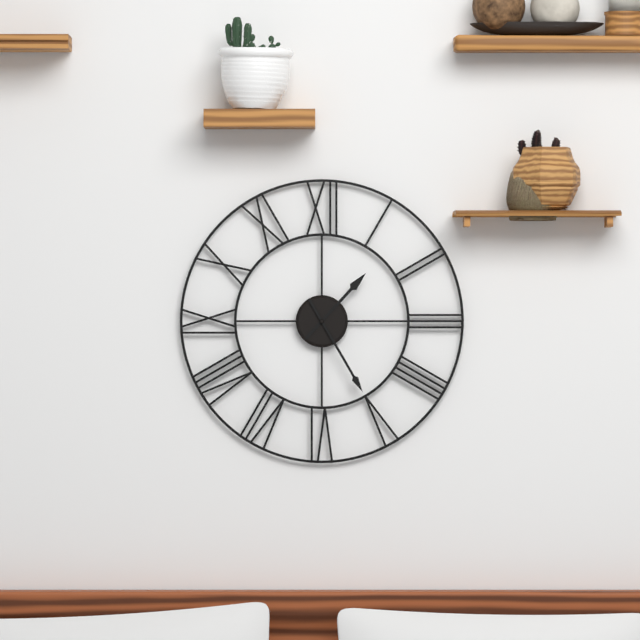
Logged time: 1 h 25 min
